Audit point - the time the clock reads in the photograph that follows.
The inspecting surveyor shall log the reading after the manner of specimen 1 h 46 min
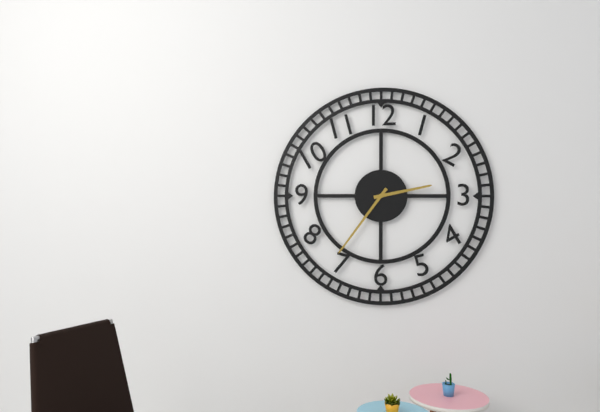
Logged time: 2 h 36 min
